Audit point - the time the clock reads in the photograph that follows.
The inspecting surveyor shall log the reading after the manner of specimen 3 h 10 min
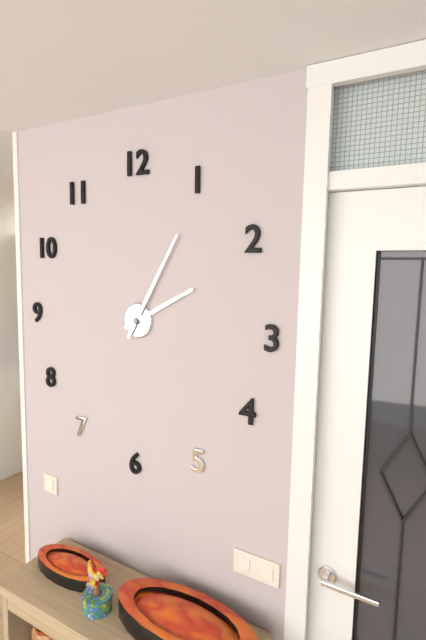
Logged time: 2 h 05 min
